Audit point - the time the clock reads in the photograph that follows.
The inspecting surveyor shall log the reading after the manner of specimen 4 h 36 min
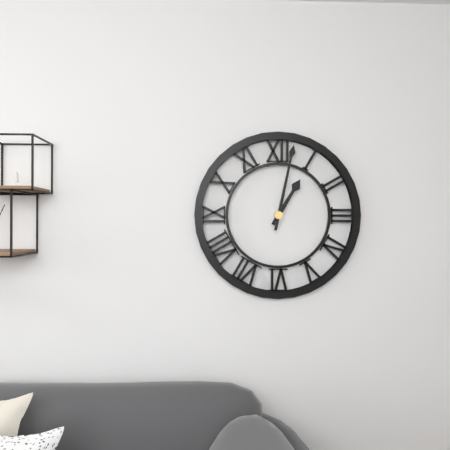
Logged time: 1 h 02 min
